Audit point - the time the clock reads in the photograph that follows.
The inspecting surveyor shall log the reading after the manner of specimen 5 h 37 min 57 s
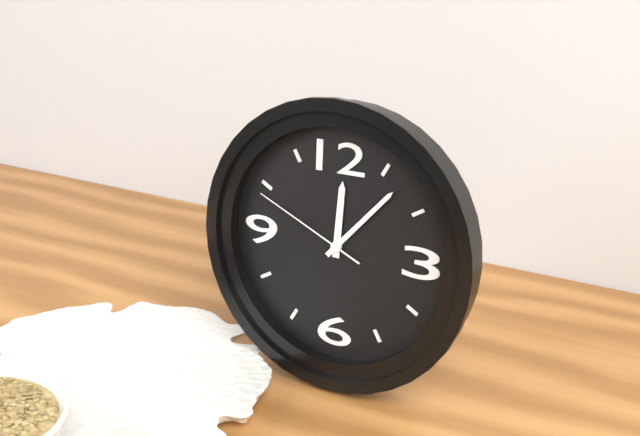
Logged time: 12 h 07 min 49 s
